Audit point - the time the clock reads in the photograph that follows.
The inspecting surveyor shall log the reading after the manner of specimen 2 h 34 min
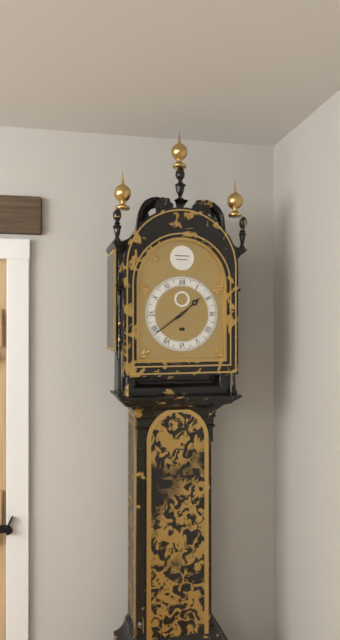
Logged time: 1 h 39 min
